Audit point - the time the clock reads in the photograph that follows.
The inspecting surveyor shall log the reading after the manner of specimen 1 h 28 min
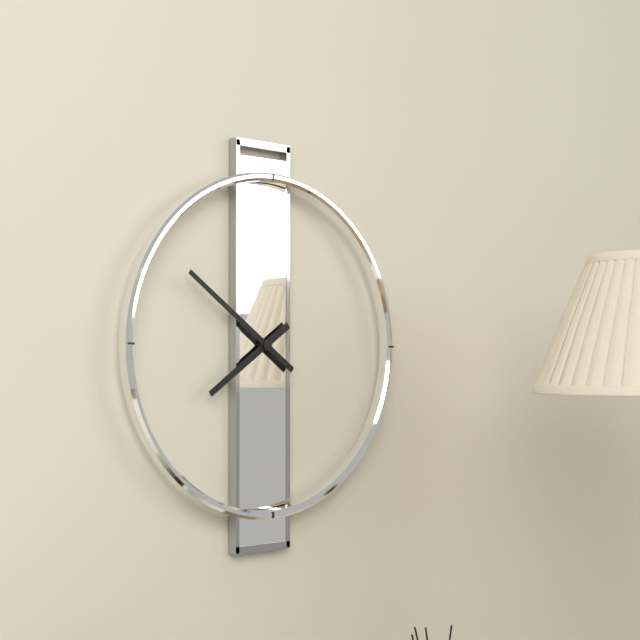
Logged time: 7 h 51 min
